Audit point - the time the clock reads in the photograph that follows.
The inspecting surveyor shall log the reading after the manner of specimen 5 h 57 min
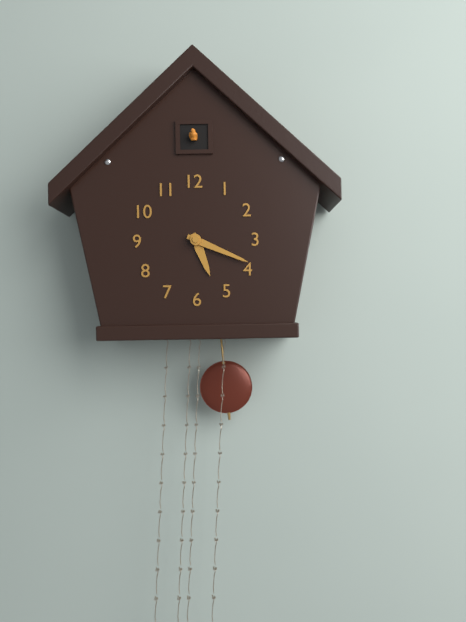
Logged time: 5 h 19 min
